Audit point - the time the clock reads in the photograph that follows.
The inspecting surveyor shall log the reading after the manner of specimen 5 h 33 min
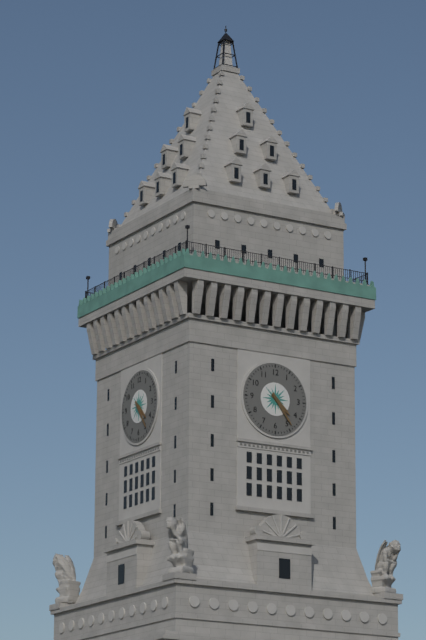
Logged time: 4 h 24 min
